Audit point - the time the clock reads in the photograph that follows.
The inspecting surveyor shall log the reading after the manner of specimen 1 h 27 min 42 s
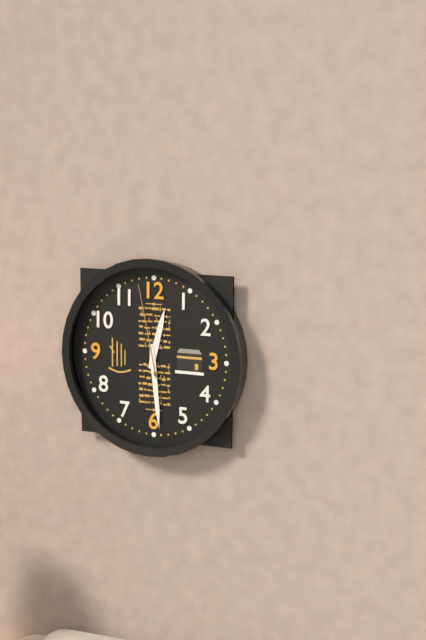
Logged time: 12 h 29 min 58 s
